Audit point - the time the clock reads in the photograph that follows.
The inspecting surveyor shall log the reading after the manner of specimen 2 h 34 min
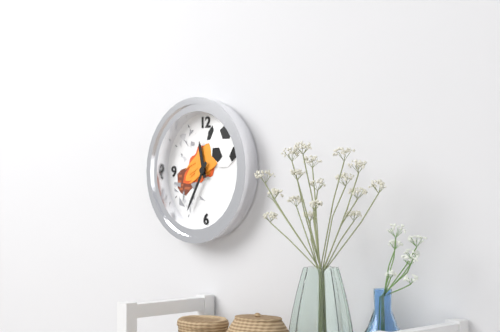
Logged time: 11 h 35 min
